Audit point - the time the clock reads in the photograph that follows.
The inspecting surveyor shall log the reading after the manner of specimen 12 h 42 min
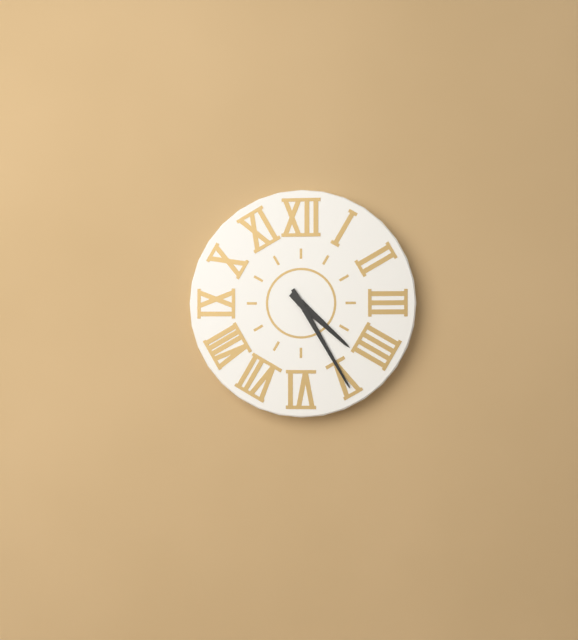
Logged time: 4 h 25 min
